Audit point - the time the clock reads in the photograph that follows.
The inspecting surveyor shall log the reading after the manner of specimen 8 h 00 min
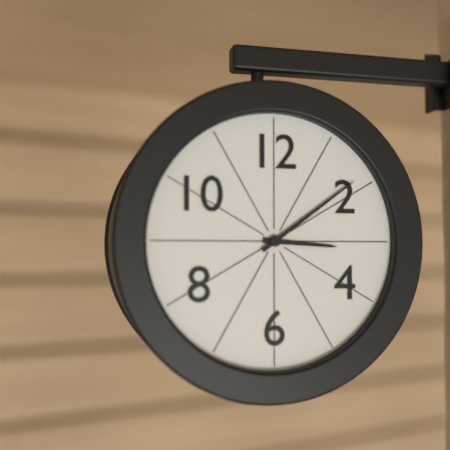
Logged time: 3 h 09 min
